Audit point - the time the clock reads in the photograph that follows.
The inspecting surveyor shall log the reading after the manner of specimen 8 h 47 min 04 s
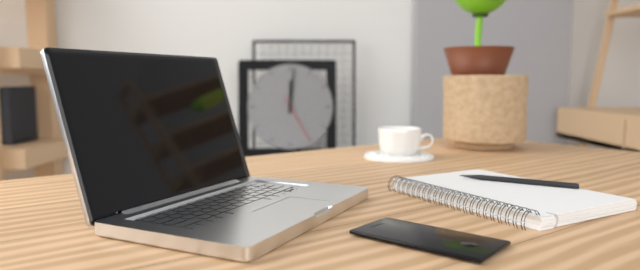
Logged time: 12 h 01 min 25 s
